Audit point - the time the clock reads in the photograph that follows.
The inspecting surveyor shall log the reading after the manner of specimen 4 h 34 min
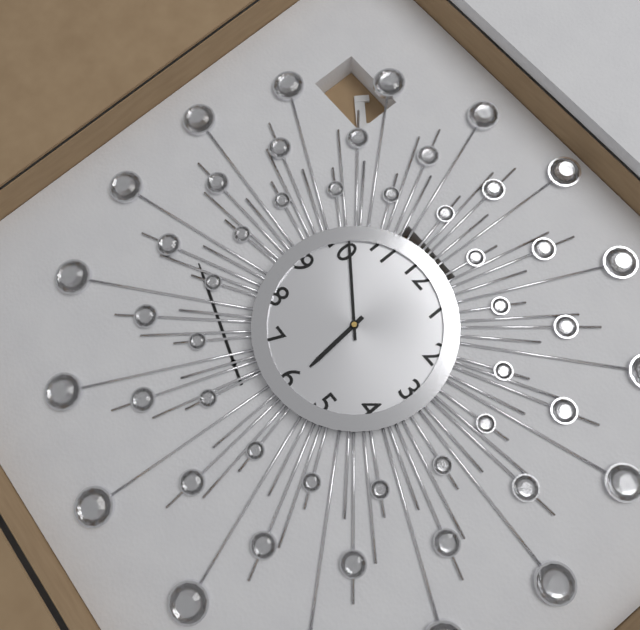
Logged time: 5 h 51 min
